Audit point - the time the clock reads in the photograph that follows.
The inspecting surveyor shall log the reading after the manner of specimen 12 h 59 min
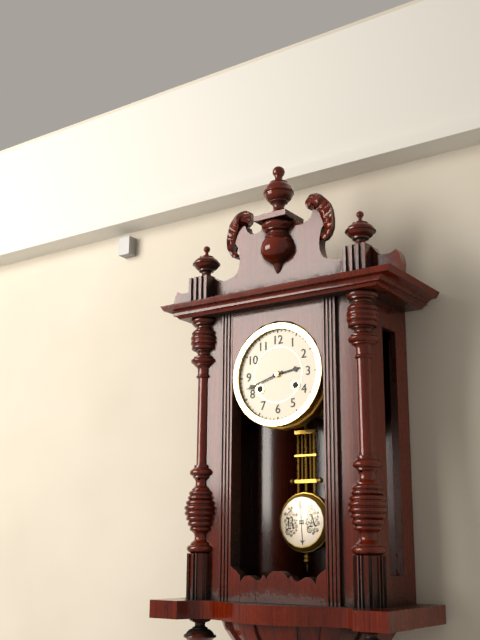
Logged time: 2 h 42 min
